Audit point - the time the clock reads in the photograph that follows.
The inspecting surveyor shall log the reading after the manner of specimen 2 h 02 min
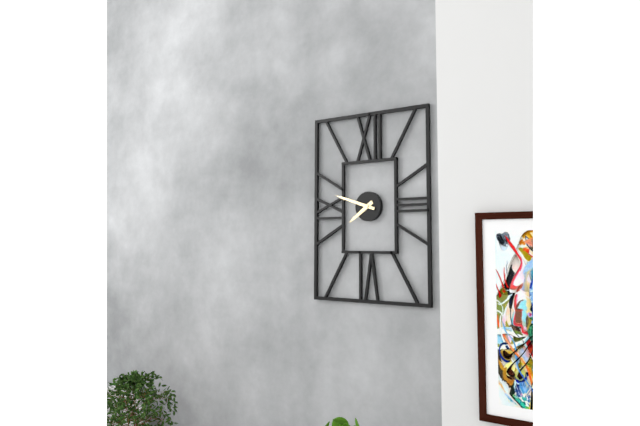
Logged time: 7 h 48 min
